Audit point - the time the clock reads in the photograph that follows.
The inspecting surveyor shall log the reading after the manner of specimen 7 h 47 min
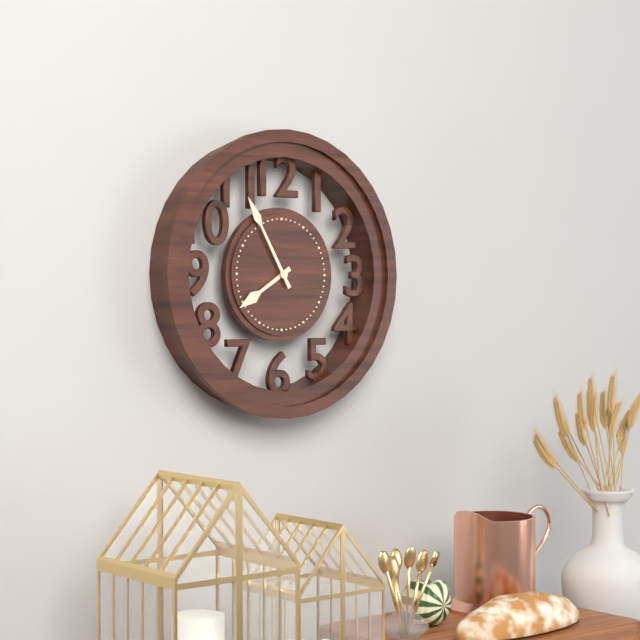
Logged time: 7 h 55 min
